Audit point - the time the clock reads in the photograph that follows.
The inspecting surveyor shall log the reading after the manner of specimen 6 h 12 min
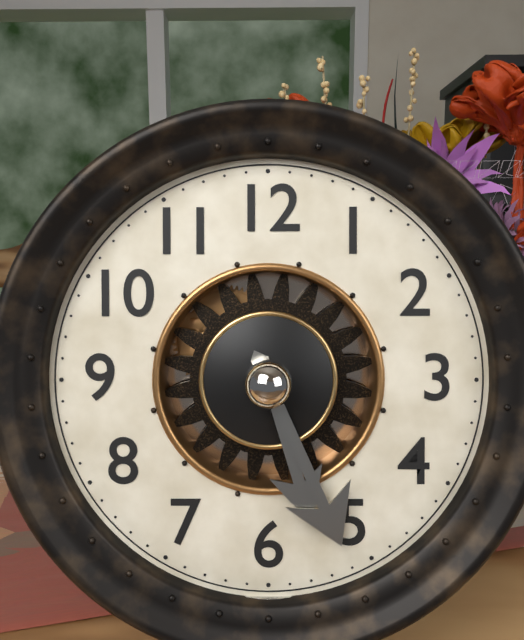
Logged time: 5 h 26 min
